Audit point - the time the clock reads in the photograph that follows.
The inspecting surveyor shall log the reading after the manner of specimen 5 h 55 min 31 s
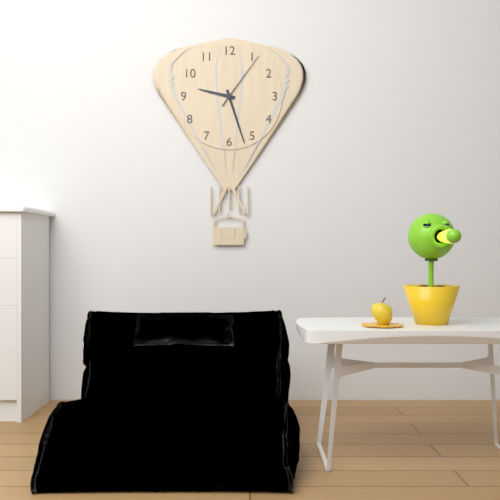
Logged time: 9 h 27 min 06 s
